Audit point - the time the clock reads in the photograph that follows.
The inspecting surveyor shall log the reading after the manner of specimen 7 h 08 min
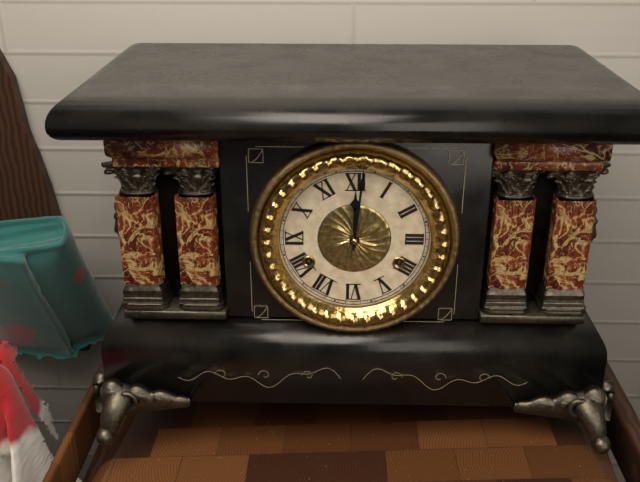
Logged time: 12 h 01 min
